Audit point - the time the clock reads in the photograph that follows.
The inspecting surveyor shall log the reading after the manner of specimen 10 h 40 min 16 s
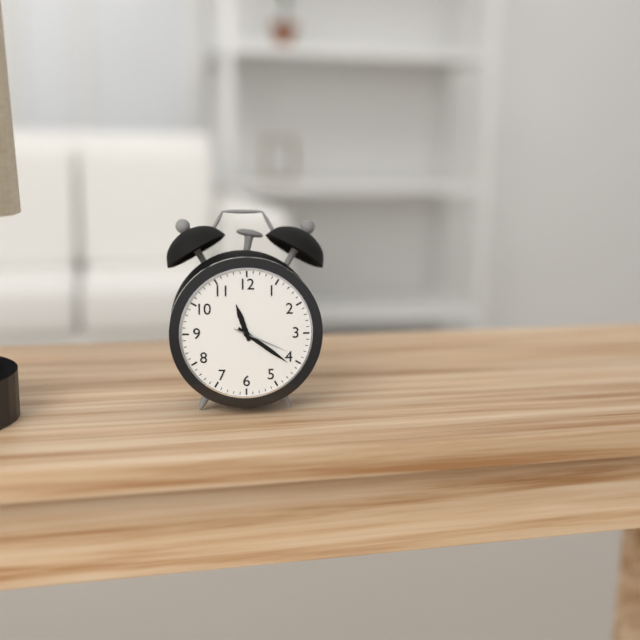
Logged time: 11 h 21 min 19 s
